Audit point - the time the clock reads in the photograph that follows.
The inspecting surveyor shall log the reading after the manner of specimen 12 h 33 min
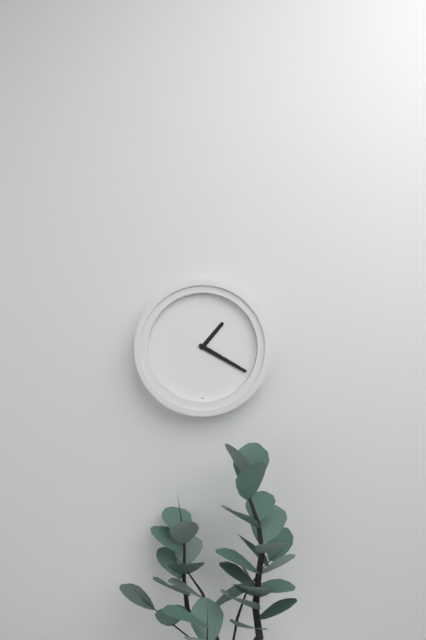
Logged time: 1 h 20 min
